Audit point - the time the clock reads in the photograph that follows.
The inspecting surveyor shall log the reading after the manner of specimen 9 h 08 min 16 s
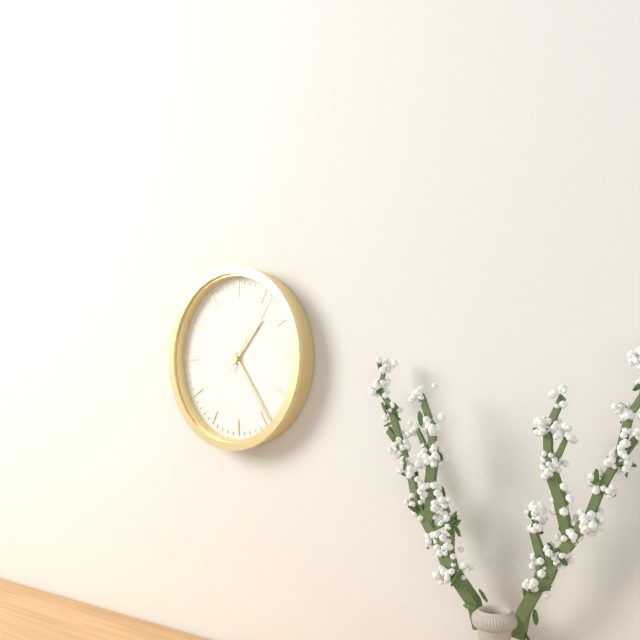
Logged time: 1 h 24 min 06 s
